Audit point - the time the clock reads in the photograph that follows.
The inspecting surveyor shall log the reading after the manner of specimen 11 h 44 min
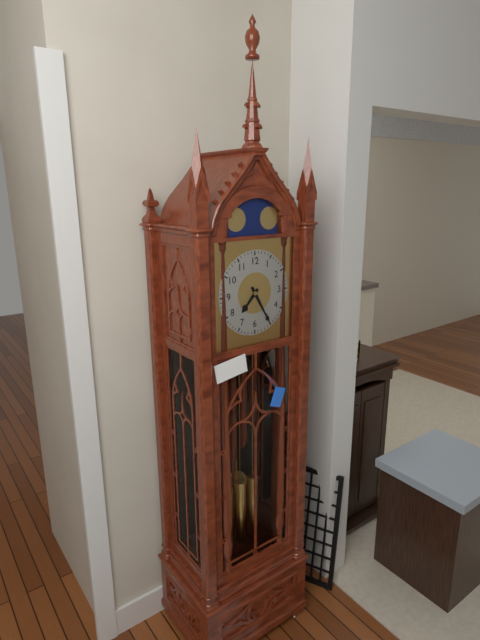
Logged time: 7 h 25 min
